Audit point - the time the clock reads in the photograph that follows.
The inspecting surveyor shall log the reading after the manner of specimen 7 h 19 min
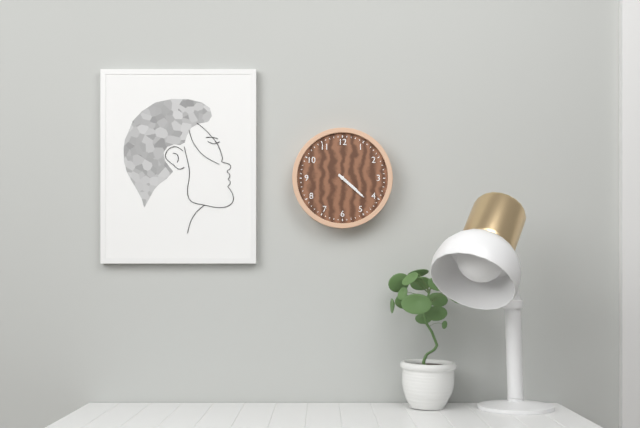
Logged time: 4 h 22 min
